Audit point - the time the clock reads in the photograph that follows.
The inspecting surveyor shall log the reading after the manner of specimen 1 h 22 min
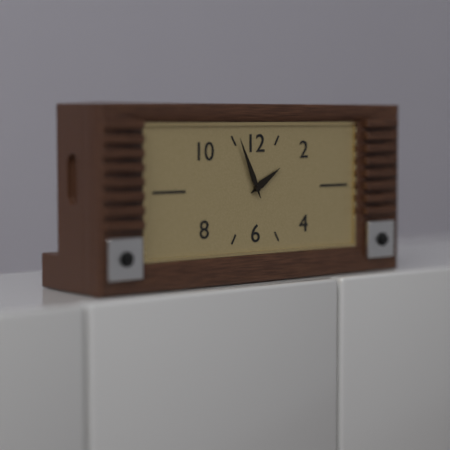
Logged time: 1 h 56 min
